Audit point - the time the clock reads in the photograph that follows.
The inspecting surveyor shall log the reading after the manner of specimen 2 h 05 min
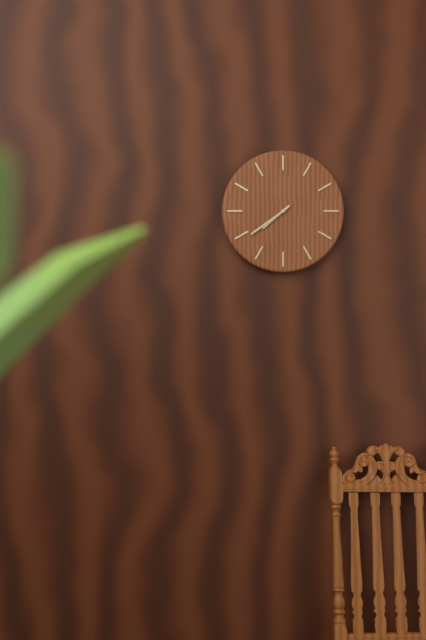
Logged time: 7 h 39 min
